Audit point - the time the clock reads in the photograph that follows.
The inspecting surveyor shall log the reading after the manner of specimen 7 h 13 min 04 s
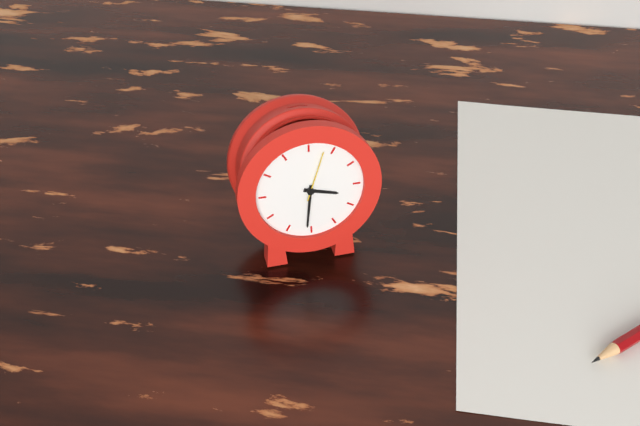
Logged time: 3 h 31 min 03 s
